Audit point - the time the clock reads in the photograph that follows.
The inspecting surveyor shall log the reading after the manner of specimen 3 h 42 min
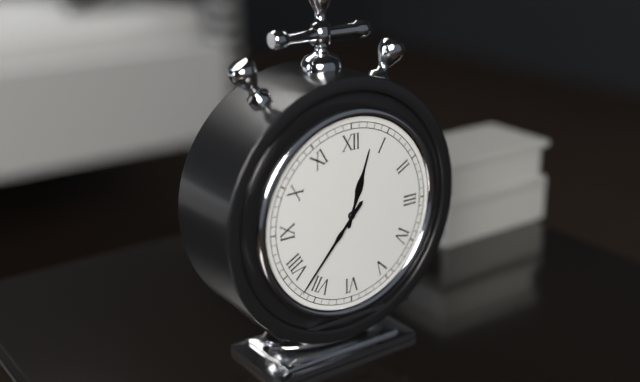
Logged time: 12 h 37 min
